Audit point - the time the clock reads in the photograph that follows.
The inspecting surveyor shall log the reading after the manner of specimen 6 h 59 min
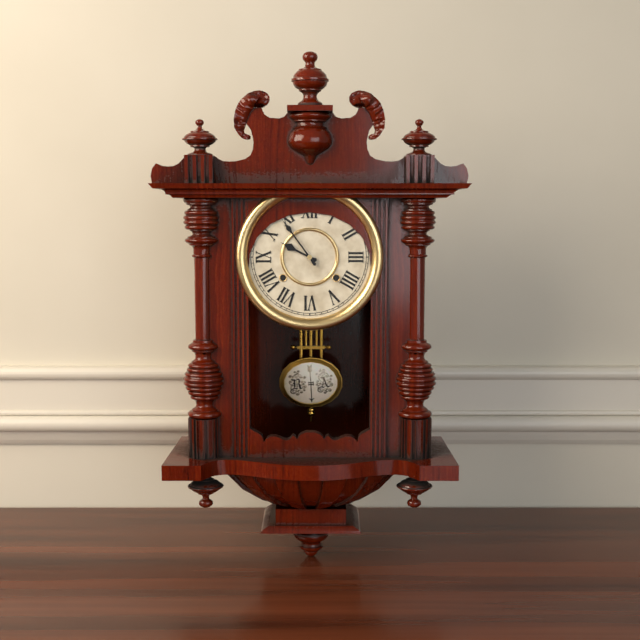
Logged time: 9 h 54 min
